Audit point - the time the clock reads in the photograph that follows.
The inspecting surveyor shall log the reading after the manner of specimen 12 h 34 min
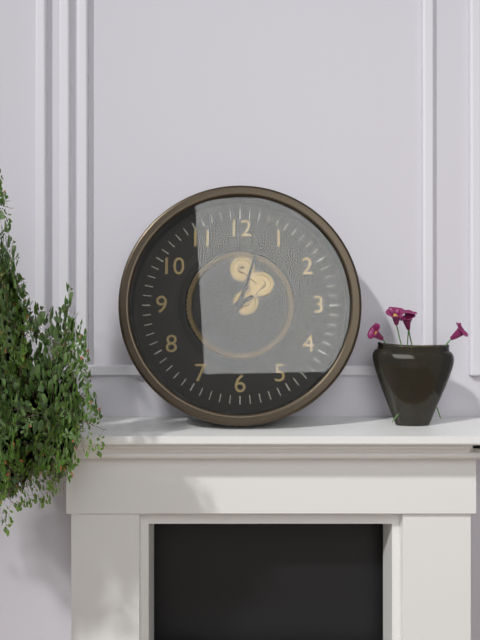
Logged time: 8 h 03 min
